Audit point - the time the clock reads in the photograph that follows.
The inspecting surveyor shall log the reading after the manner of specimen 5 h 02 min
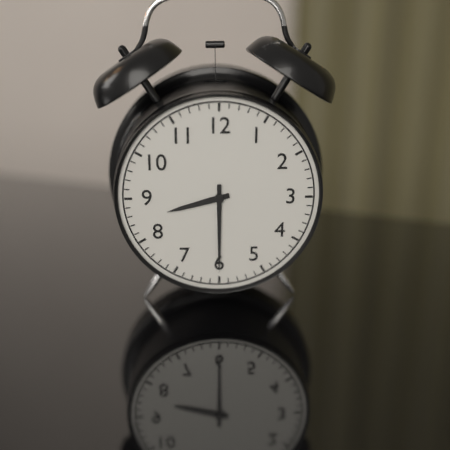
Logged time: 8 h 30 min
